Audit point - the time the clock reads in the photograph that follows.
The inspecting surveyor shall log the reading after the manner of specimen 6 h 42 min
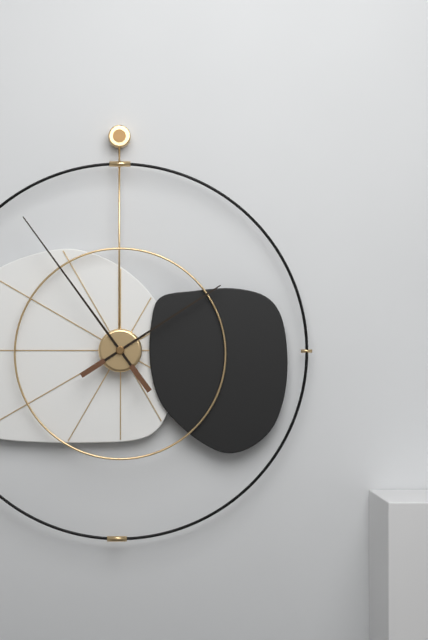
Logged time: 1 h 54 min
